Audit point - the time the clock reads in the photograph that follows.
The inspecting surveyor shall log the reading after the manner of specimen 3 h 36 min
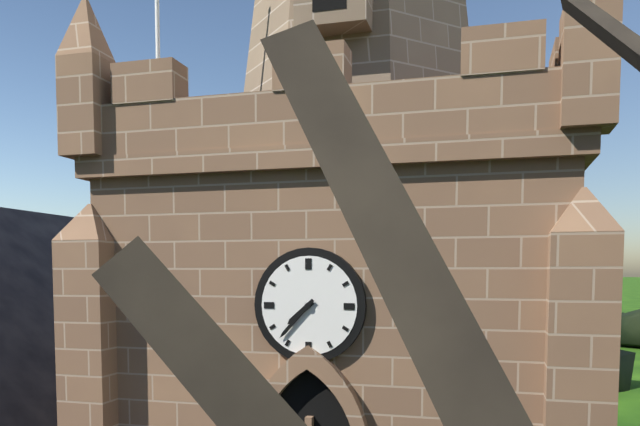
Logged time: 7 h 37 min
